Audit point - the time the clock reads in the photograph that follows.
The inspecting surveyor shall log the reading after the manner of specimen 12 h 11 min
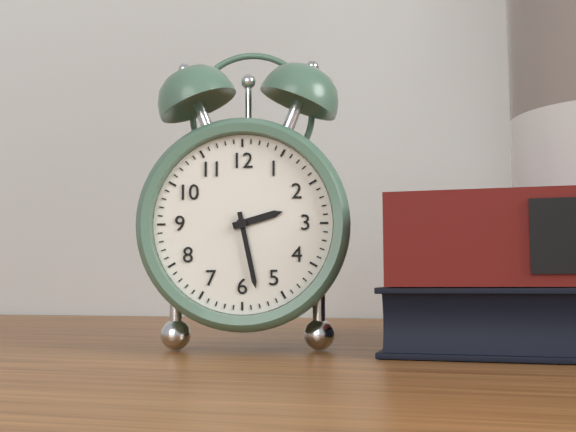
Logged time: 2 h 28 min
